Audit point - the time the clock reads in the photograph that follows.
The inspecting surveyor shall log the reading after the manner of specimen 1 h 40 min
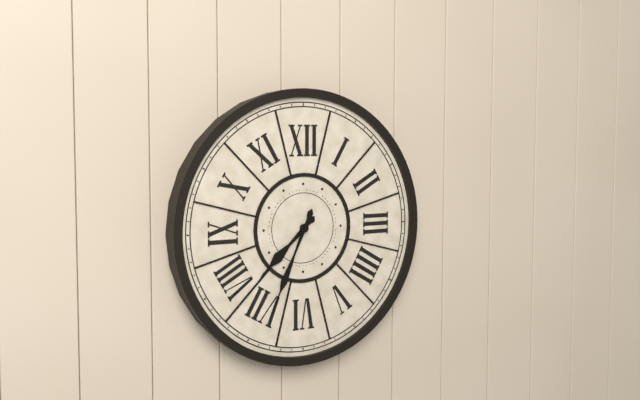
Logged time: 7 h 34 min
